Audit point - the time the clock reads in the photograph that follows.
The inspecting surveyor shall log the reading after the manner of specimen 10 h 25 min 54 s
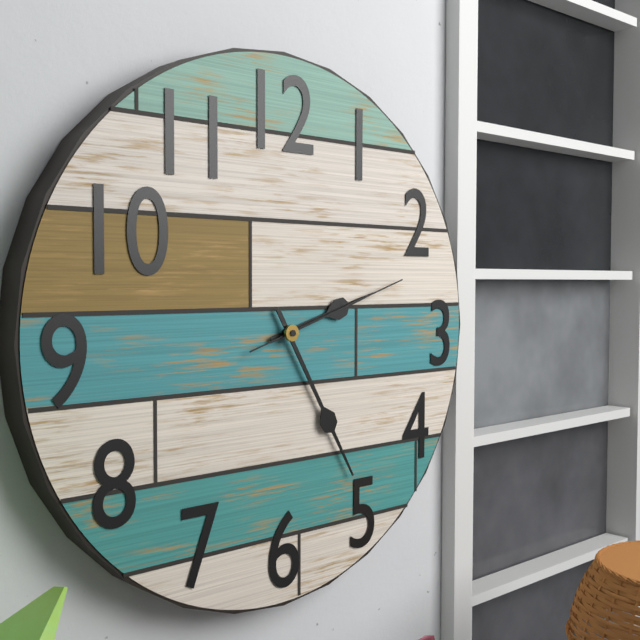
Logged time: 2 h 25 min 12 s
